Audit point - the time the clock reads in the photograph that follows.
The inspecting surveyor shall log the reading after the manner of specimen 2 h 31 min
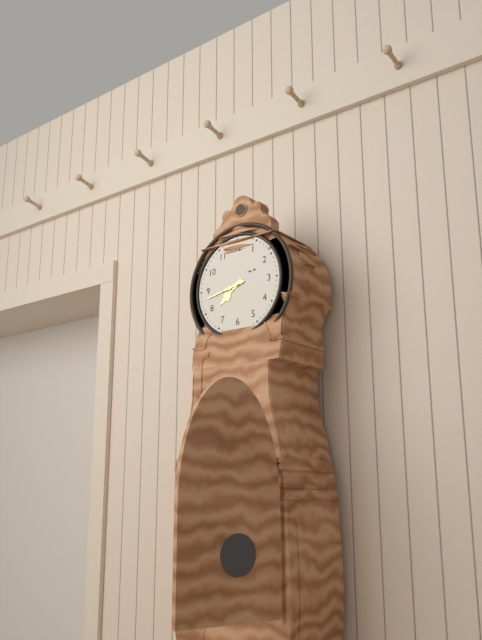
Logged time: 7 h 43 min
